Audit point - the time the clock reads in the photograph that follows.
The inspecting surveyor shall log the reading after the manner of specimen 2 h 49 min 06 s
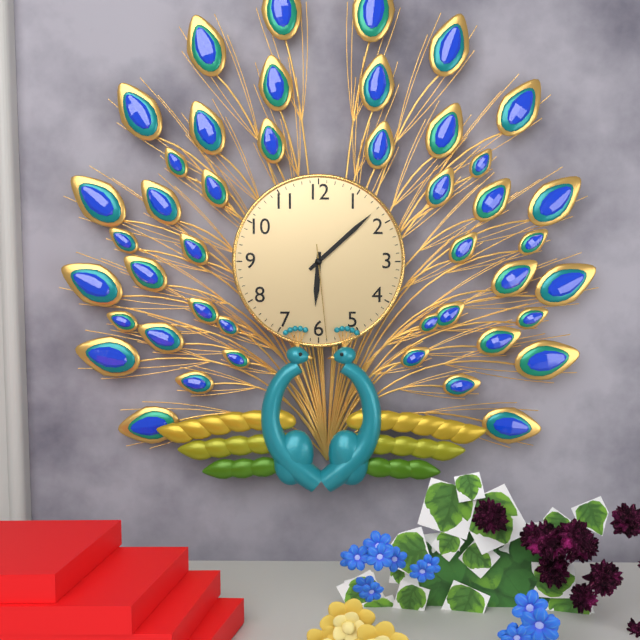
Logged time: 6 h 08 min 29 s
